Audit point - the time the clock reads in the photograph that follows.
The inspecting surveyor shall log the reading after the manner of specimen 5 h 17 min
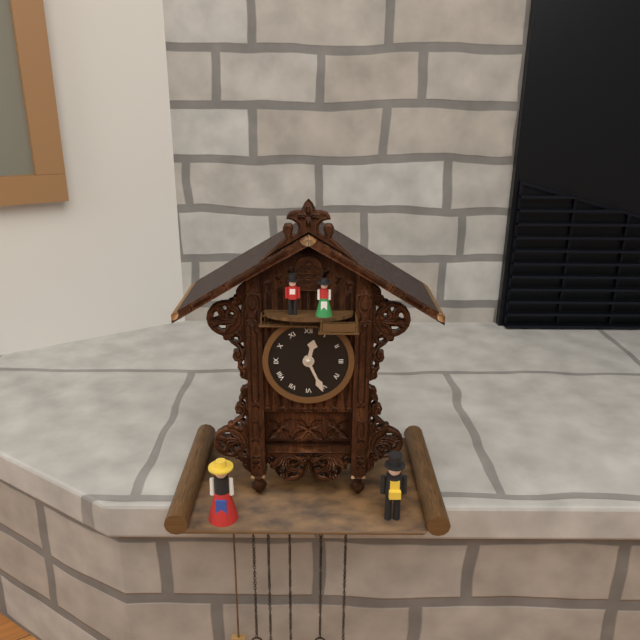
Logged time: 12 h 26 min
